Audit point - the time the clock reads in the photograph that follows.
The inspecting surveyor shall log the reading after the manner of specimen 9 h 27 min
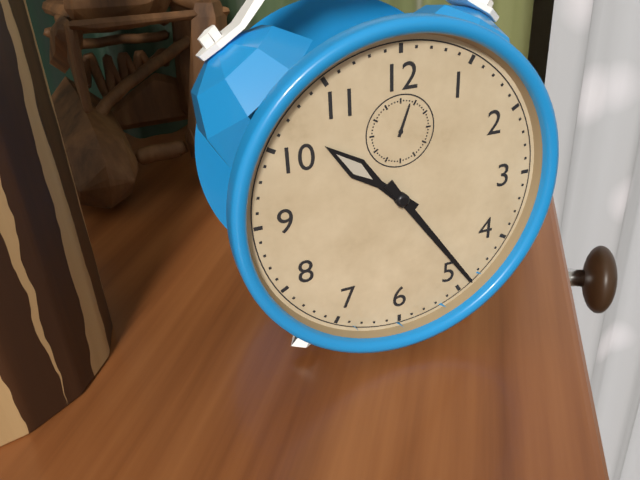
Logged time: 10 h 24 min
